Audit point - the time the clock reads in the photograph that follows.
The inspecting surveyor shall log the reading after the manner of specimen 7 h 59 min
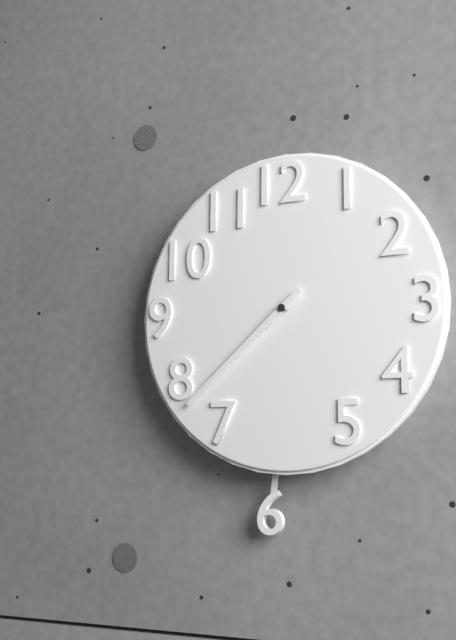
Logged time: 7 h 38 min
